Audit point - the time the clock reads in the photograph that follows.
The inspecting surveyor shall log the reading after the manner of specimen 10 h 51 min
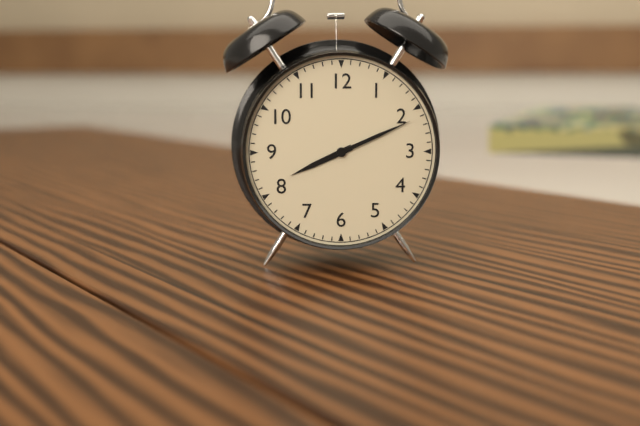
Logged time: 8 h 11 min
